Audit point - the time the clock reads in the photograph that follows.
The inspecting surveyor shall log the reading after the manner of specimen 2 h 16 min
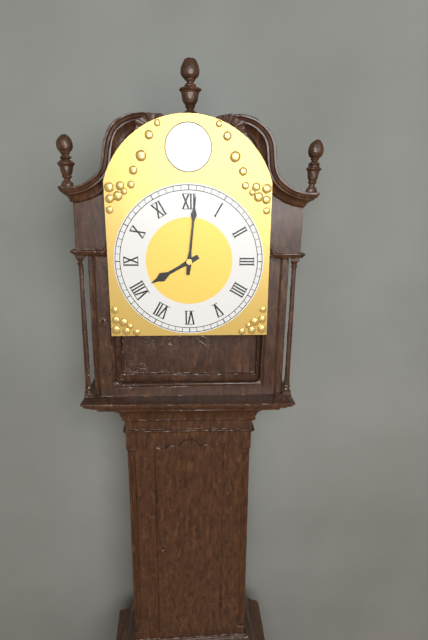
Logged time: 8 h 01 min
